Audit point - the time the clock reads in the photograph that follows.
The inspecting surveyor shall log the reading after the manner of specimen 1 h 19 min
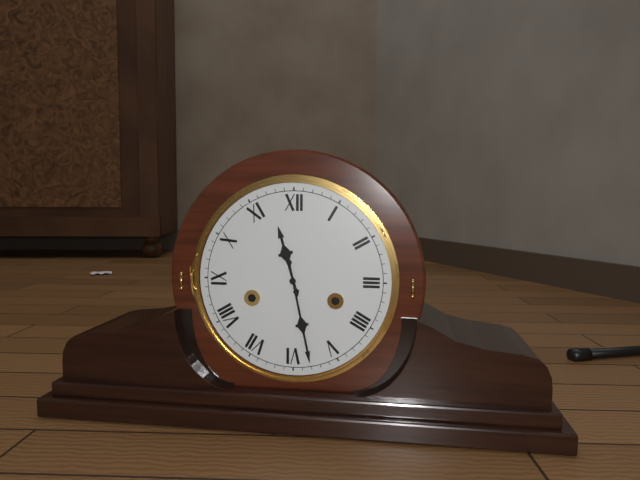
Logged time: 11 h 28 min
